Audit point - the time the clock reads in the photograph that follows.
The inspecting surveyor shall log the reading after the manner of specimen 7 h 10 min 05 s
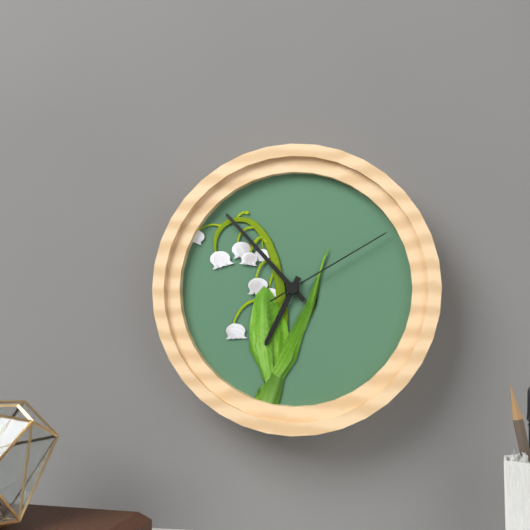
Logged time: 6 h 53 min 10 s
